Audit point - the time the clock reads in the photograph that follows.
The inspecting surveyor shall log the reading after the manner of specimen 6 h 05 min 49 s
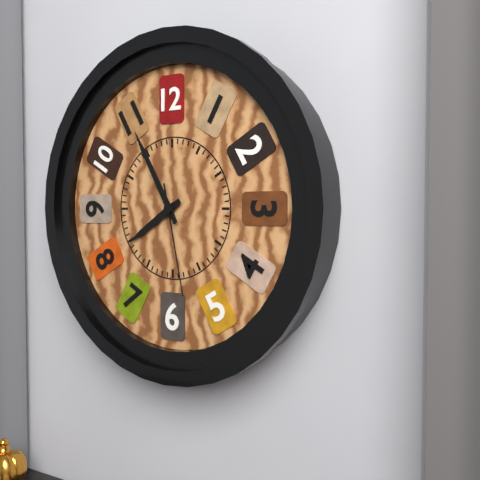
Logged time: 7 h 55 min 28 s
